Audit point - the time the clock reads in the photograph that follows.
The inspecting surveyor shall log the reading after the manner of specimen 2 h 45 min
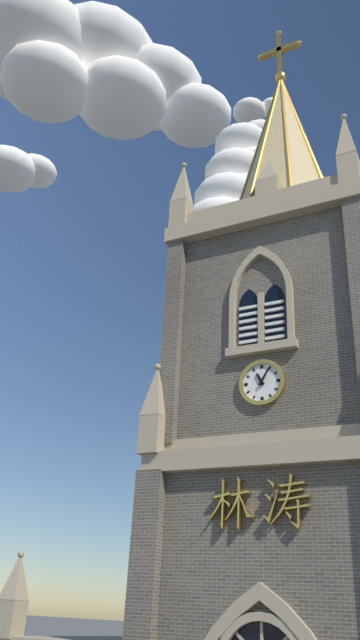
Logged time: 11 h 05 min
